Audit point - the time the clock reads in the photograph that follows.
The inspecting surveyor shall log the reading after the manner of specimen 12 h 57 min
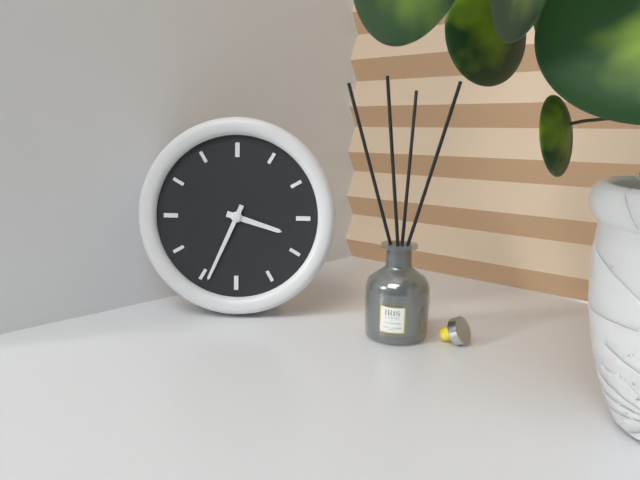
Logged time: 3 h 34 min
